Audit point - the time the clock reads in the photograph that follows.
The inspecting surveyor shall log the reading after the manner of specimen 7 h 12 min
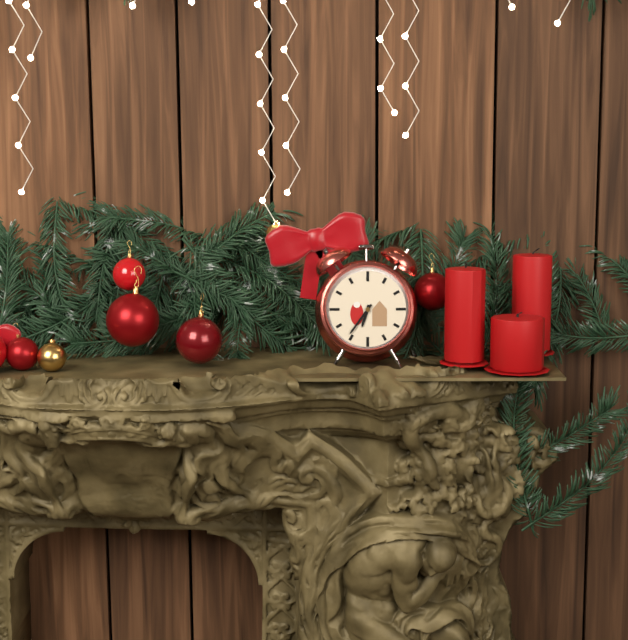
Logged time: 6 h 36 min
